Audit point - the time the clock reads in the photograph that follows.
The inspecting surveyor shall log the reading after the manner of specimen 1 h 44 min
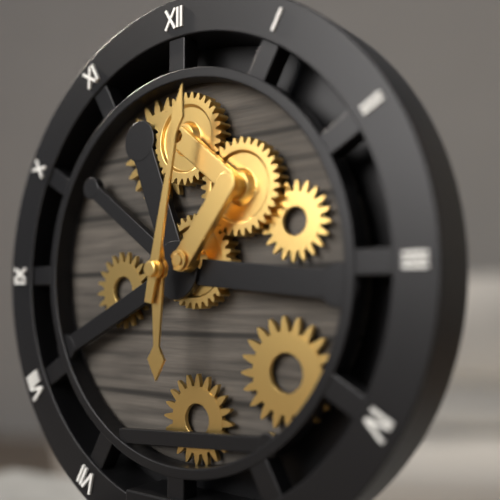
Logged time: 6 h 02 min
